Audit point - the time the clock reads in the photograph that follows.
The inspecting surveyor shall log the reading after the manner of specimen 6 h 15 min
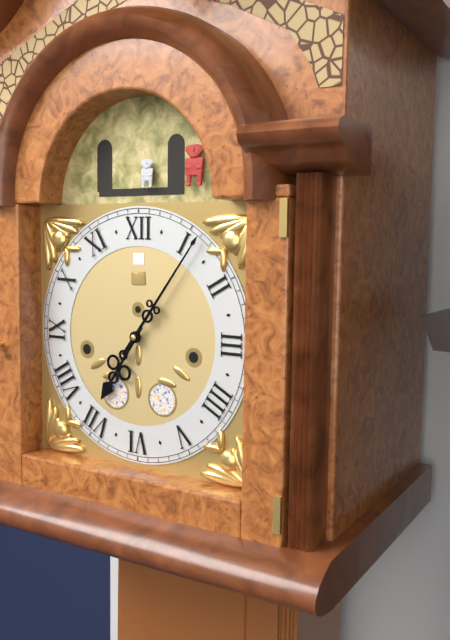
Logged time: 7 h 06 min
